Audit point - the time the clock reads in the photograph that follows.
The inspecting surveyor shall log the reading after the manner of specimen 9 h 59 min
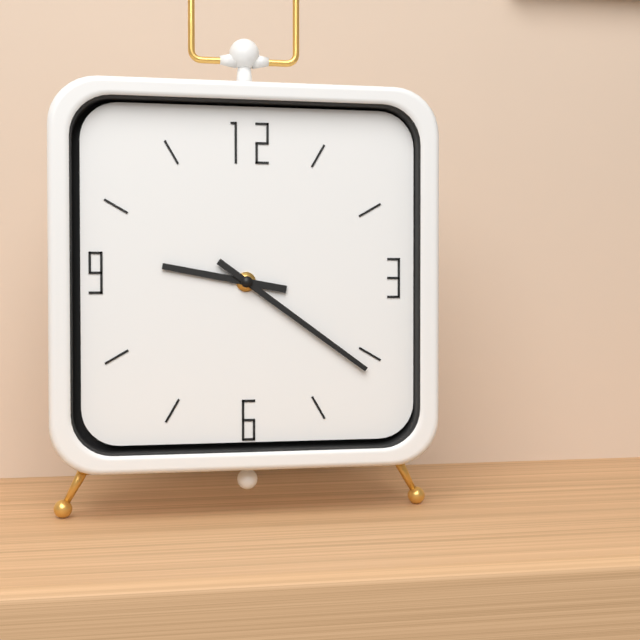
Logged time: 9 h 21 min
